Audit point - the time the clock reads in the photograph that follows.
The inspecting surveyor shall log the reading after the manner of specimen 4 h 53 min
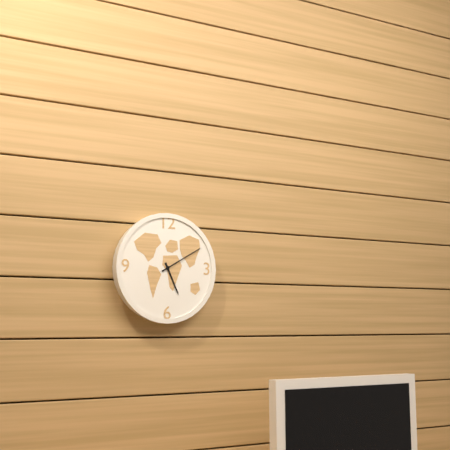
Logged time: 5 h 10 min
